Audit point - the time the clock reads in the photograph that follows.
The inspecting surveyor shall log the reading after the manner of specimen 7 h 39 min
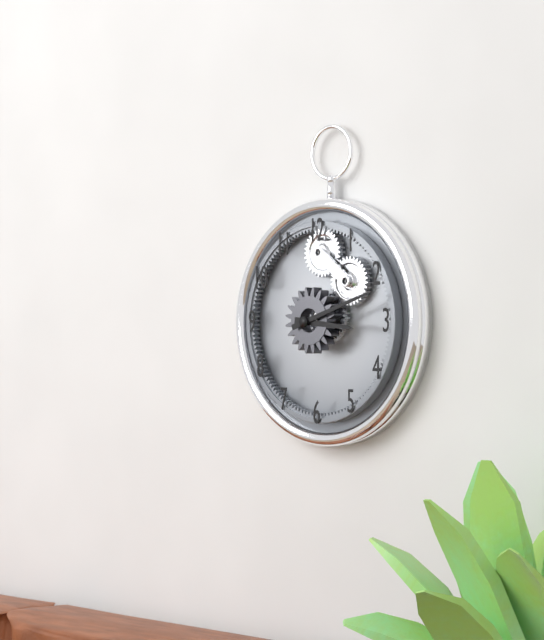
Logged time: 3 h 12 min
